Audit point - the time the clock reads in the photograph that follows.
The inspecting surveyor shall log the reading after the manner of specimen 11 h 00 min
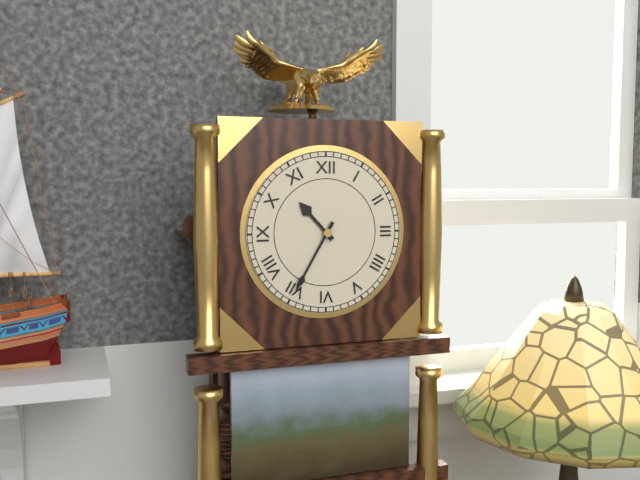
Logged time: 10 h 35 min
